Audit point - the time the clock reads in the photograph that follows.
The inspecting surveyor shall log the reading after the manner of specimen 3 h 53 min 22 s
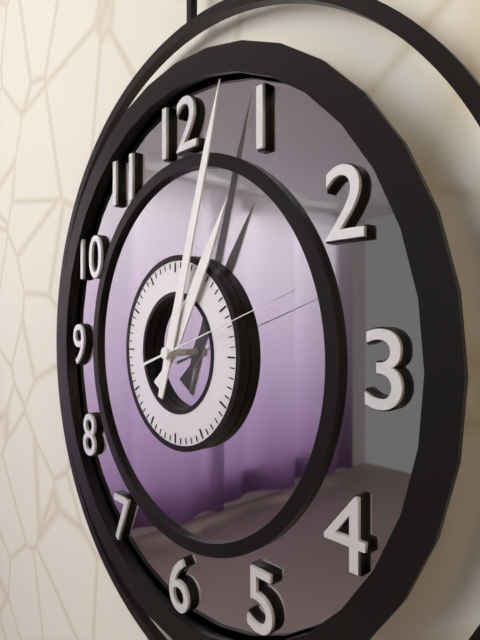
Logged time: 1 h 03 min 12 s
